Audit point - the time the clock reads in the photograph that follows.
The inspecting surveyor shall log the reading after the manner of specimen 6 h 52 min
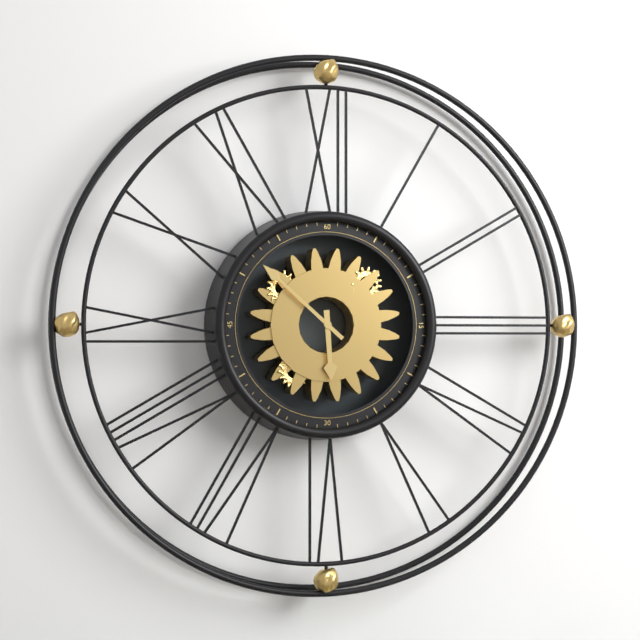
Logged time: 5 h 52 min
